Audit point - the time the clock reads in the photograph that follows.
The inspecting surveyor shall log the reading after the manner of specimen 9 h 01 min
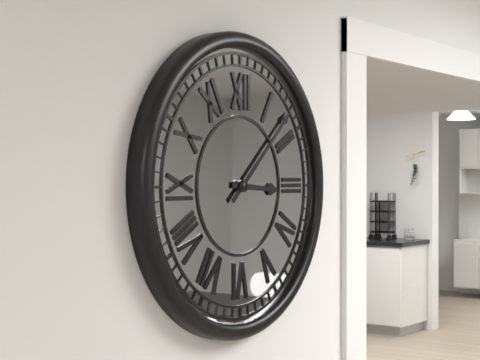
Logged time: 3 h 08 min
